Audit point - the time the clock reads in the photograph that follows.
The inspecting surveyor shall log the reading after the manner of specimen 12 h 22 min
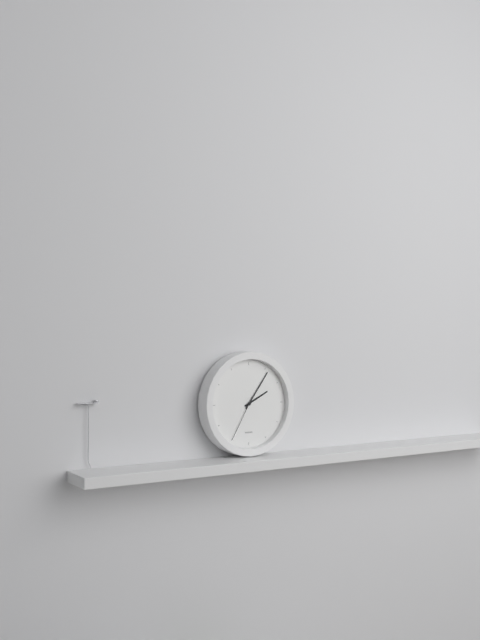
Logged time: 2 h 06 min
